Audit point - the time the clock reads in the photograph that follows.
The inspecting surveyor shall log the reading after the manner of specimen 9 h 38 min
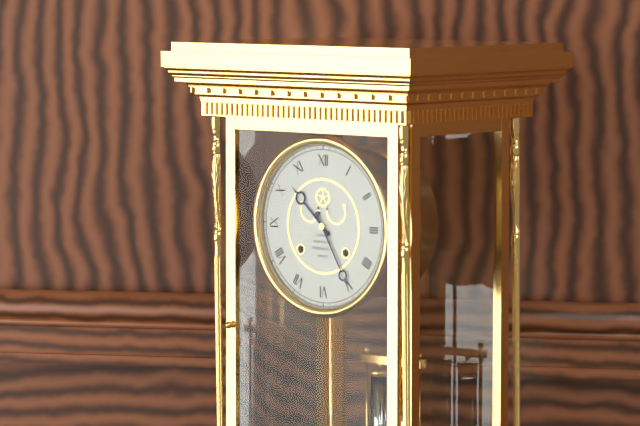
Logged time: 10 h 25 min
